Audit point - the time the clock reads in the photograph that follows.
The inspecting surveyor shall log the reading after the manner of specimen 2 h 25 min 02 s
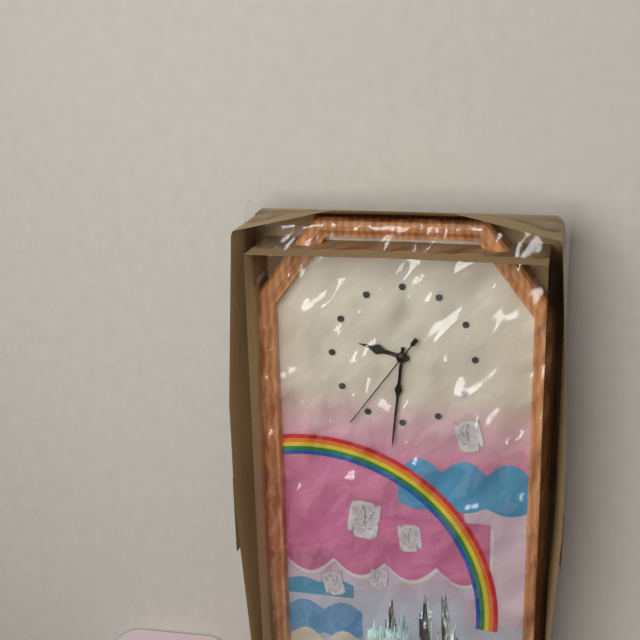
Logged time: 9 h 31 min 36 s
